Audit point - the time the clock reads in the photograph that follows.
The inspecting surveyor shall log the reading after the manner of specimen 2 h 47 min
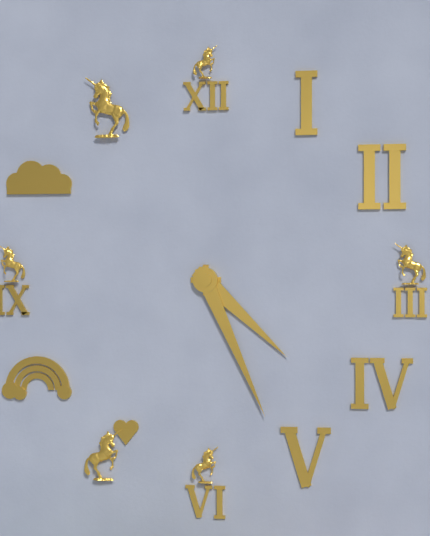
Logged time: 4 h 26 min
